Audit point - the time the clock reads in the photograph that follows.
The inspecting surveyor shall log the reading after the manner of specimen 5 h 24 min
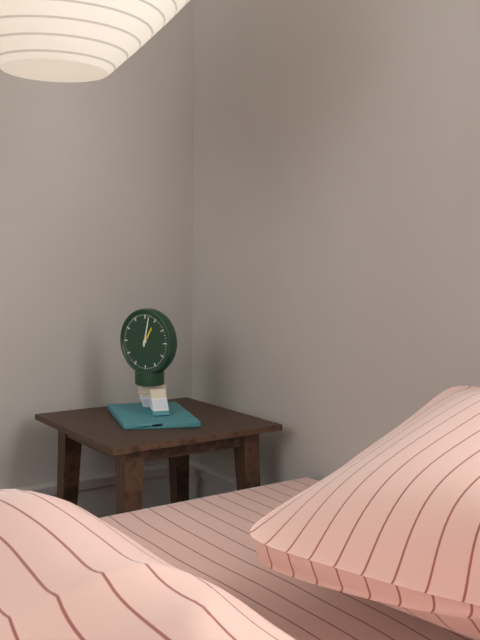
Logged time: 1 h 02 min
